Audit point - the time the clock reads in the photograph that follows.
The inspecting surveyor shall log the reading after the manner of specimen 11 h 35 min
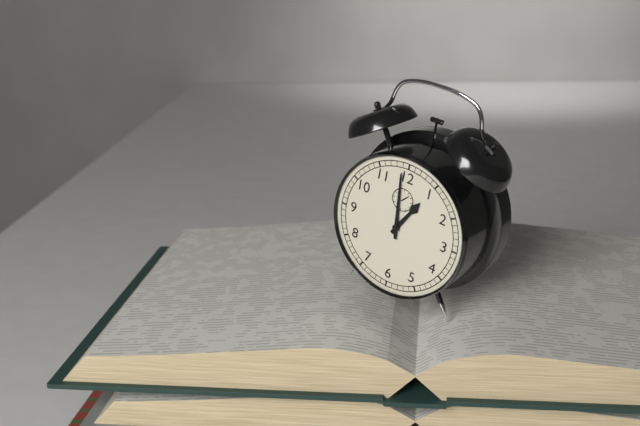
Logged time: 12 h 59 min
